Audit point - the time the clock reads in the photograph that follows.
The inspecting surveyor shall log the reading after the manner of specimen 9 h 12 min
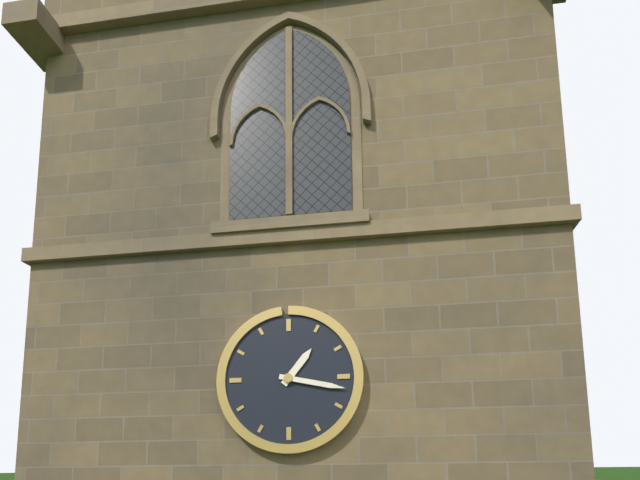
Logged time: 1 h 17 min
